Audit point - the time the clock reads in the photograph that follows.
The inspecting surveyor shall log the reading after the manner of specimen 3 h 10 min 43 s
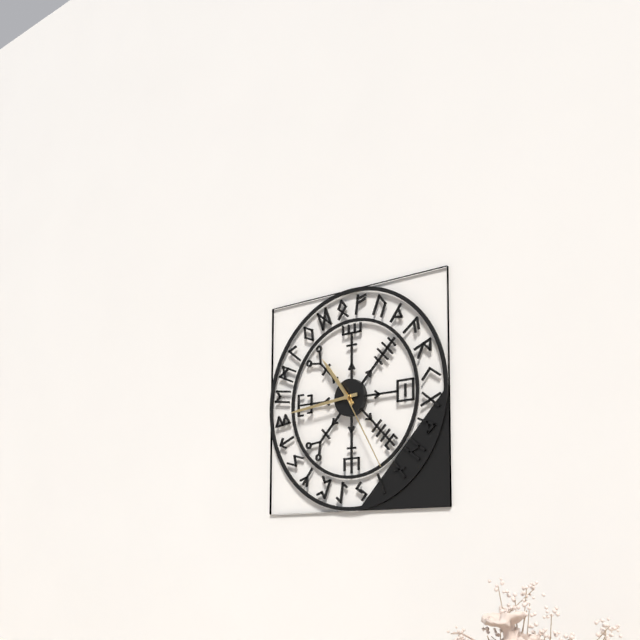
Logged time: 10 h 44 min 25 s
